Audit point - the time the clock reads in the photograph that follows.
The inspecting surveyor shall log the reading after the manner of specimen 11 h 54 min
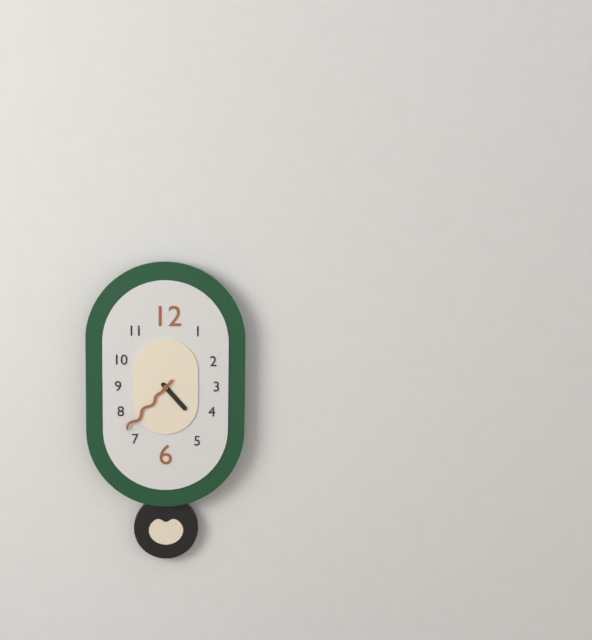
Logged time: 4 h 37 min
